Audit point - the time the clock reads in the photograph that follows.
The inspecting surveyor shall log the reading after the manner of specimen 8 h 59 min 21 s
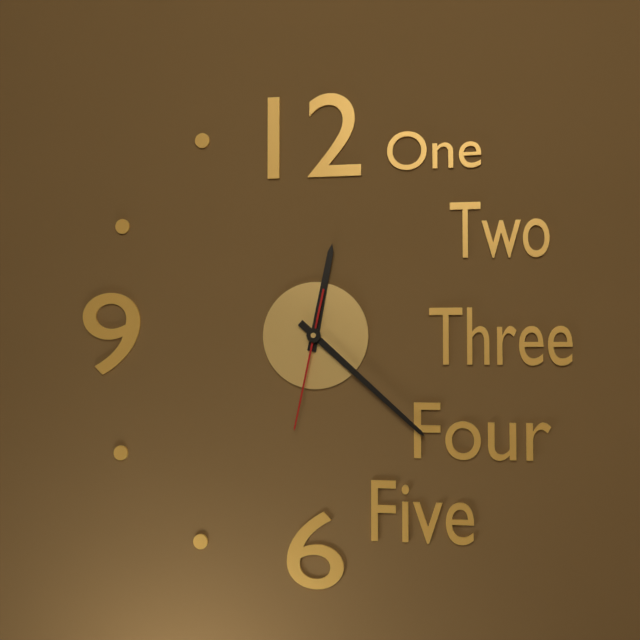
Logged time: 12 h 22 min 32 s
